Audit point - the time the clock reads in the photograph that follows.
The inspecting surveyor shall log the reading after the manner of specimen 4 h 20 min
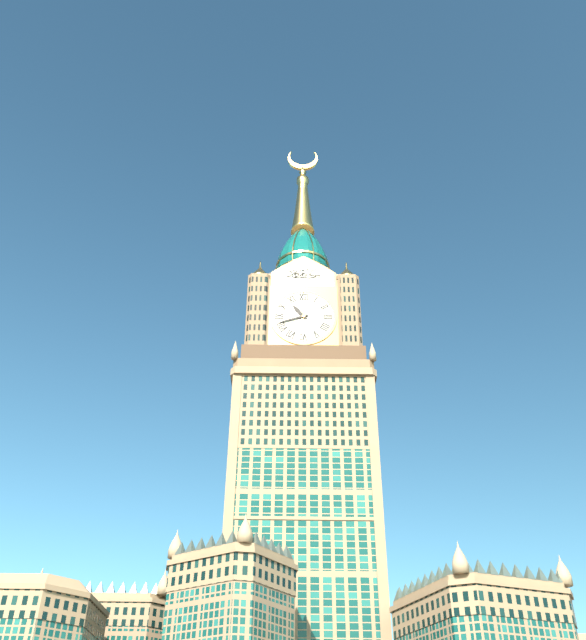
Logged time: 10 h 42 min
